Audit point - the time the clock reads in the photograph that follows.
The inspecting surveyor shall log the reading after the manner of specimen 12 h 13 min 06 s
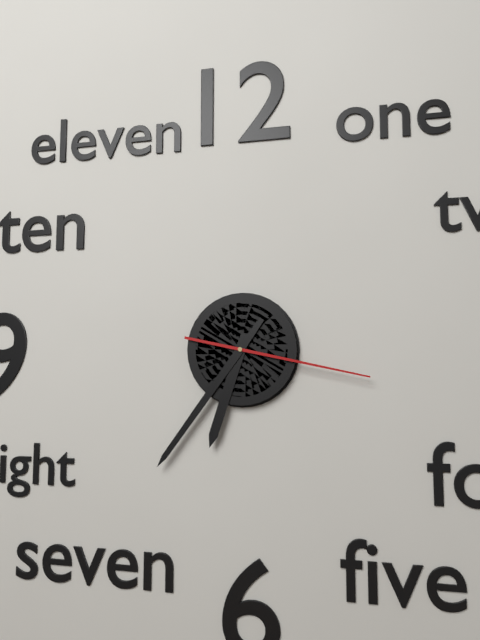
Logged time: 6 h 36 min 17 s
